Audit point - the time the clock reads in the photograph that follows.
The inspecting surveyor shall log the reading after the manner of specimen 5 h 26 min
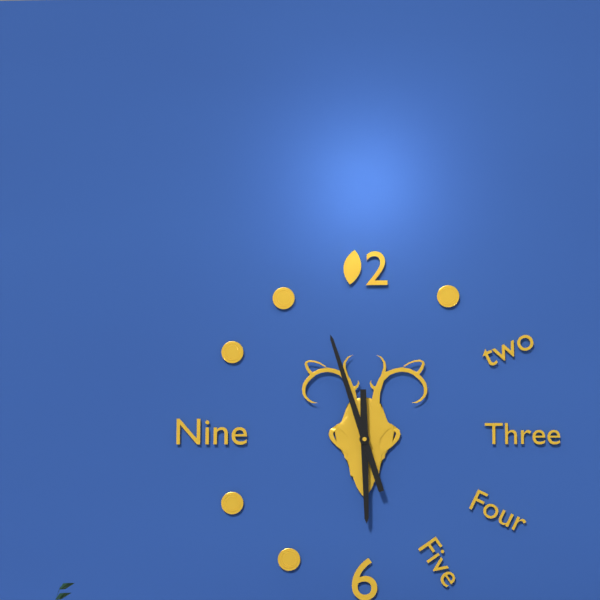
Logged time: 5 h 57 min
